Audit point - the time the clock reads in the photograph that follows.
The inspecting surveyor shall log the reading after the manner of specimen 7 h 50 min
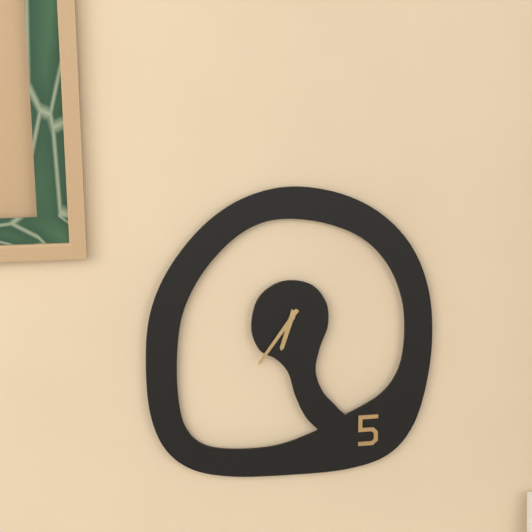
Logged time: 6 h 36 min
